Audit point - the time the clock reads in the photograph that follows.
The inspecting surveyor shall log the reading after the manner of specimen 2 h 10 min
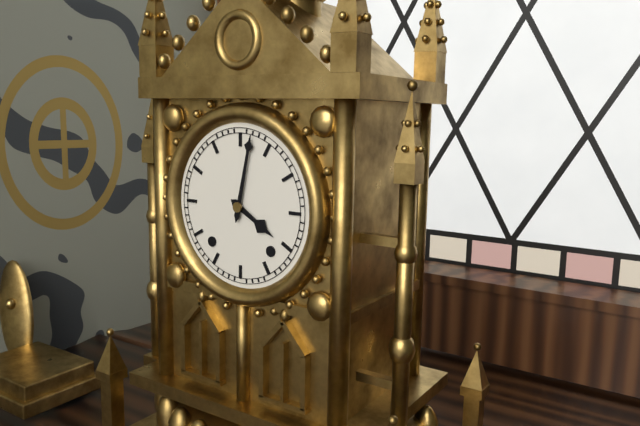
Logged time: 4 h 02 min
